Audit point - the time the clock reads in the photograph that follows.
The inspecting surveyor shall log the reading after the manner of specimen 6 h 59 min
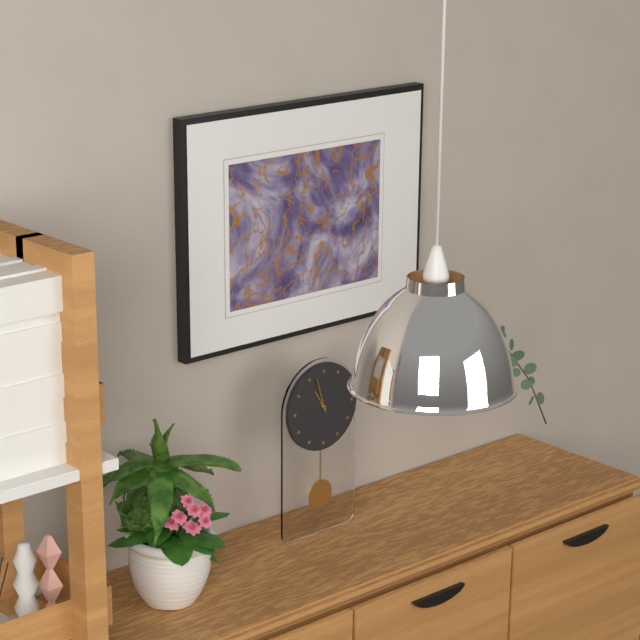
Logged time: 10 h 57 min
